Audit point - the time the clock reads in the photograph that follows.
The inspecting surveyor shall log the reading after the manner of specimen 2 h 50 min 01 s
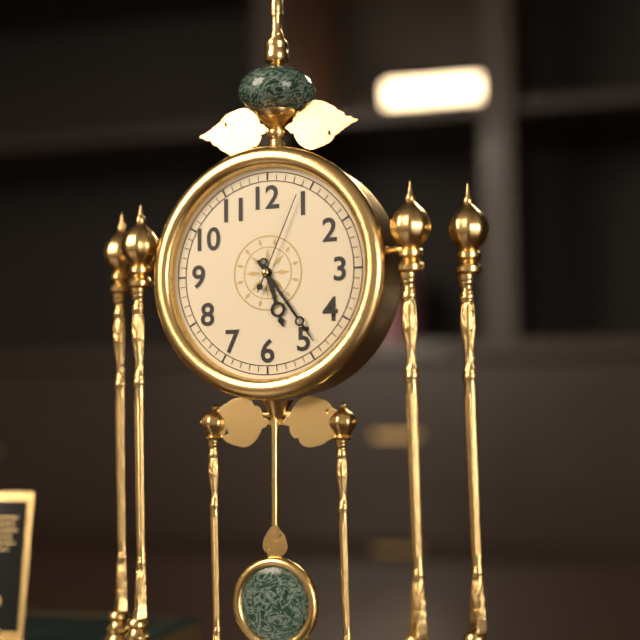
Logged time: 5 h 24 min 04 s
